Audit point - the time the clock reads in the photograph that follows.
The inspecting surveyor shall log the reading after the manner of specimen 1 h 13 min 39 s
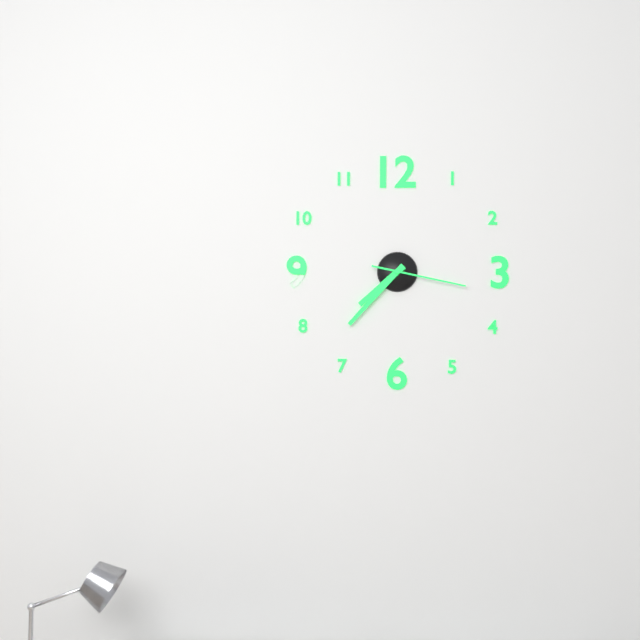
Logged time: 7 h 37 min 17 s
